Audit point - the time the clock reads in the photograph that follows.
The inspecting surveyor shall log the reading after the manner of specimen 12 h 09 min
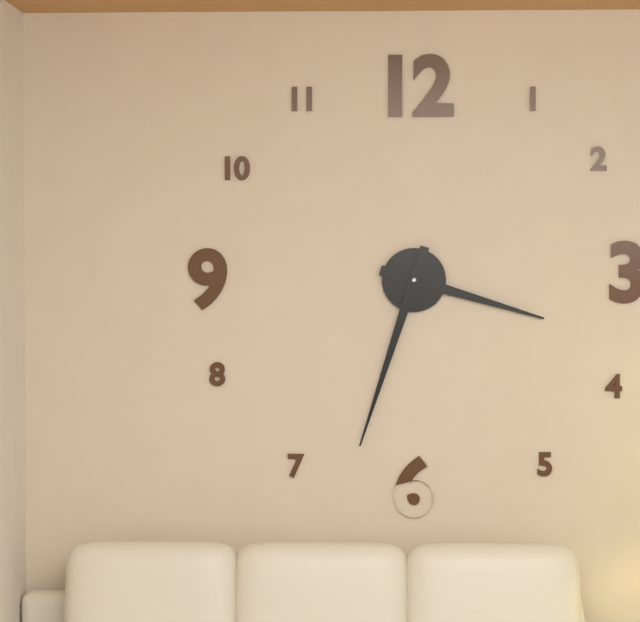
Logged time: 3 h 33 min
